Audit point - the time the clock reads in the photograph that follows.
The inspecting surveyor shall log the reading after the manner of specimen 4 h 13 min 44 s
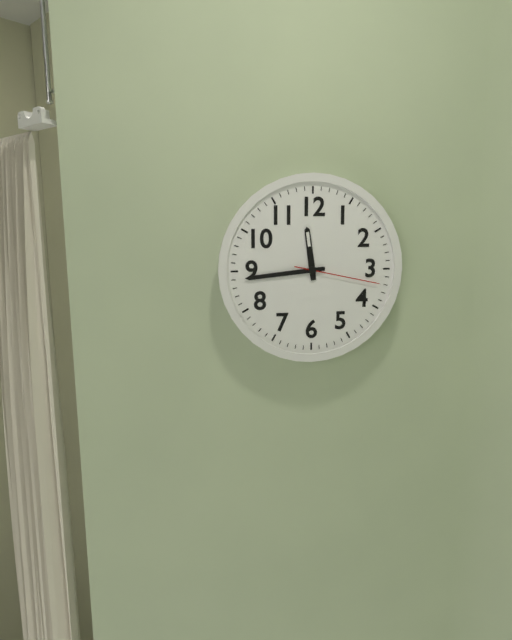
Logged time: 11 h 44 min 17 s
